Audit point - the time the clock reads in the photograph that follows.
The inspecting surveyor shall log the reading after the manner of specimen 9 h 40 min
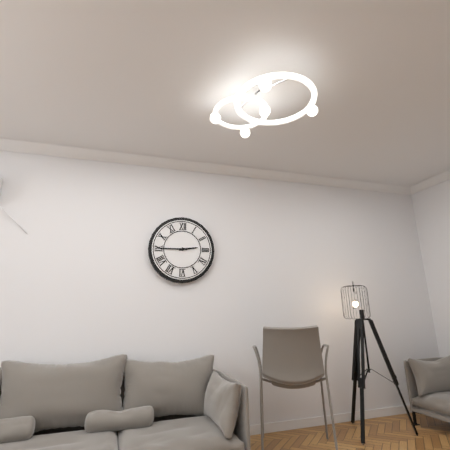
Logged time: 2 h 45 min
